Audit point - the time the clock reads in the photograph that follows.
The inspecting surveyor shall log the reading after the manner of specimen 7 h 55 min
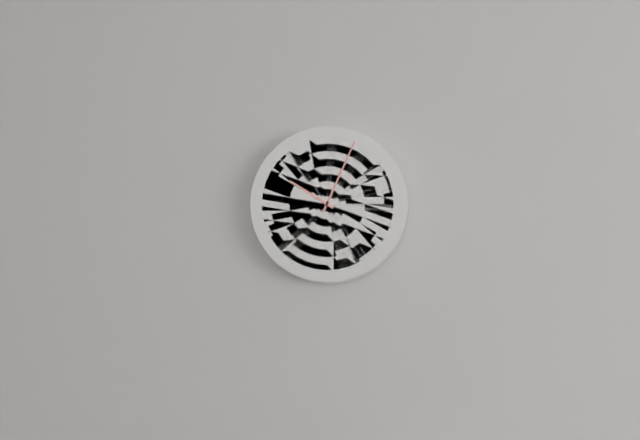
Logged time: 10 h 04 min
